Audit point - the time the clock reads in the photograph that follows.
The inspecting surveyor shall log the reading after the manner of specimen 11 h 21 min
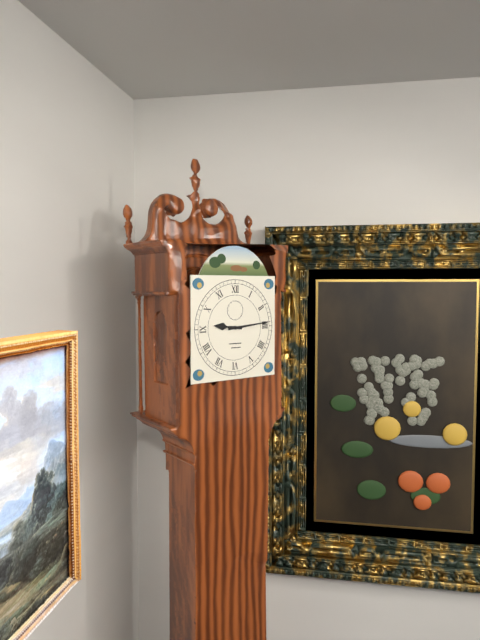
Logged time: 9 h 14 min
